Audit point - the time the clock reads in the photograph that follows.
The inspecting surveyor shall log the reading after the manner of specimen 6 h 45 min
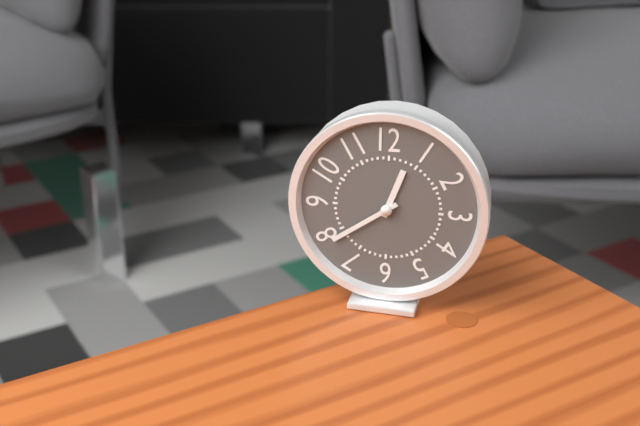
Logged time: 12 h 39 min
